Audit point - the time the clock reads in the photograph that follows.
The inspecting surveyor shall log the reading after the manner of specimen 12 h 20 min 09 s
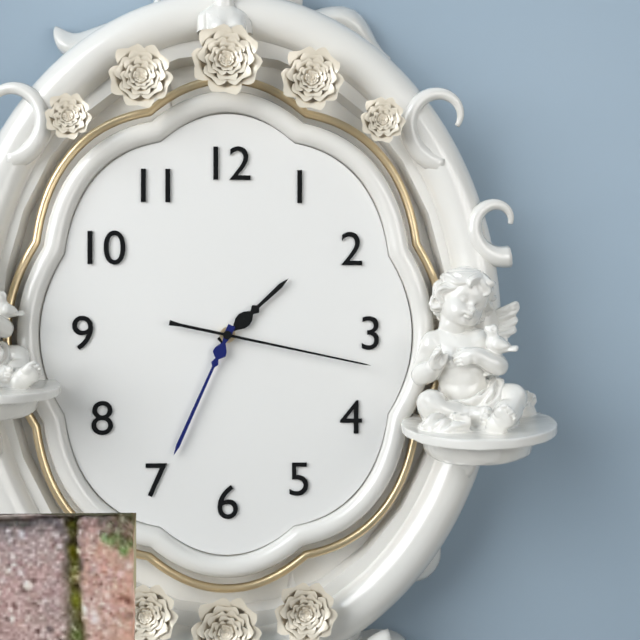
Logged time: 1 h 34 min 17 s
